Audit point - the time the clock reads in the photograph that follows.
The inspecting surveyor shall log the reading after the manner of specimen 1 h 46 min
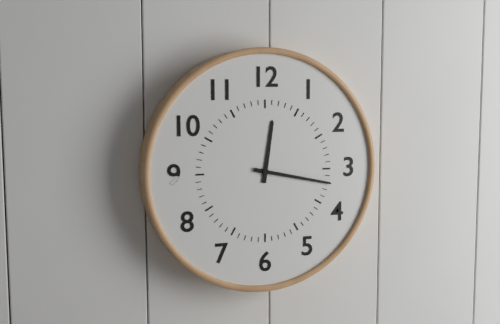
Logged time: 12 h 17 min
